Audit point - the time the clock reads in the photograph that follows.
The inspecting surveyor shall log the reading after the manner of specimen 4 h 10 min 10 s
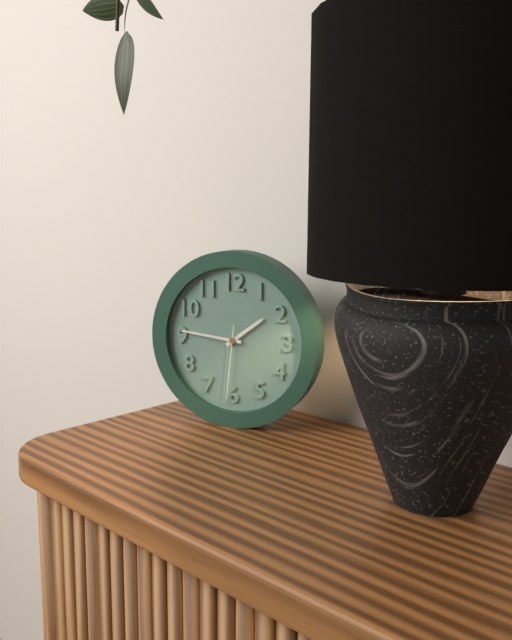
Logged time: 1 h 46 min 31 s
